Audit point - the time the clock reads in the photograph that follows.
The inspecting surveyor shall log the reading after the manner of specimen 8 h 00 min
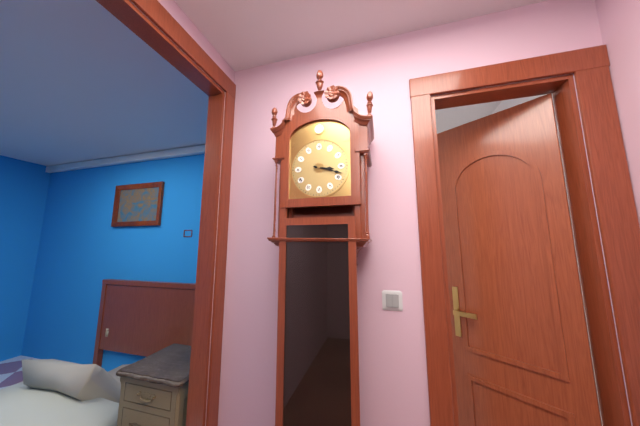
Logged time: 3 h 18 min
